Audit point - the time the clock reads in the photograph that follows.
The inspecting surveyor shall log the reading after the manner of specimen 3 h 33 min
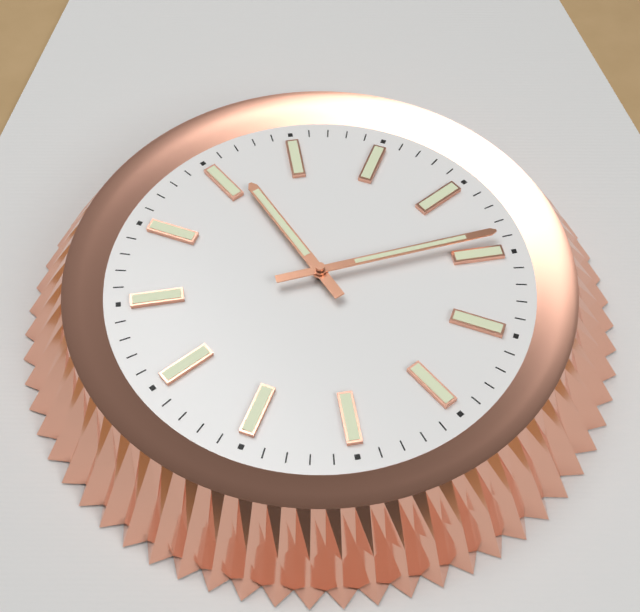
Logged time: 11 h 14 min
